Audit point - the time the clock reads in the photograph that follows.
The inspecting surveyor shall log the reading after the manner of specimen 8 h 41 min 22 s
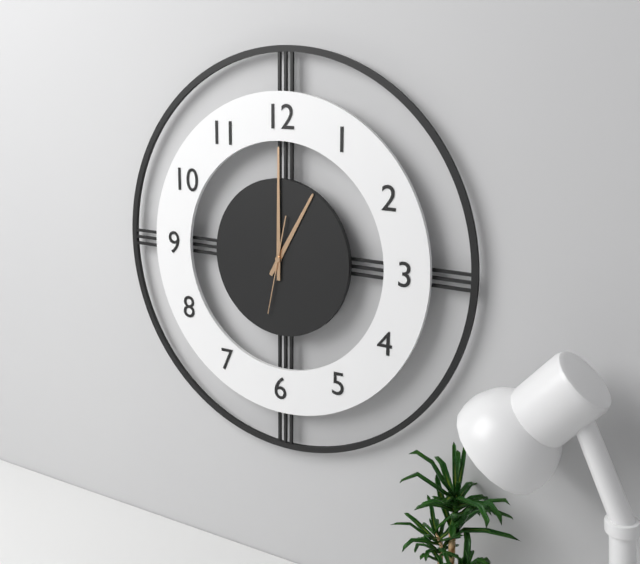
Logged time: 1 h 00 min 32 s
